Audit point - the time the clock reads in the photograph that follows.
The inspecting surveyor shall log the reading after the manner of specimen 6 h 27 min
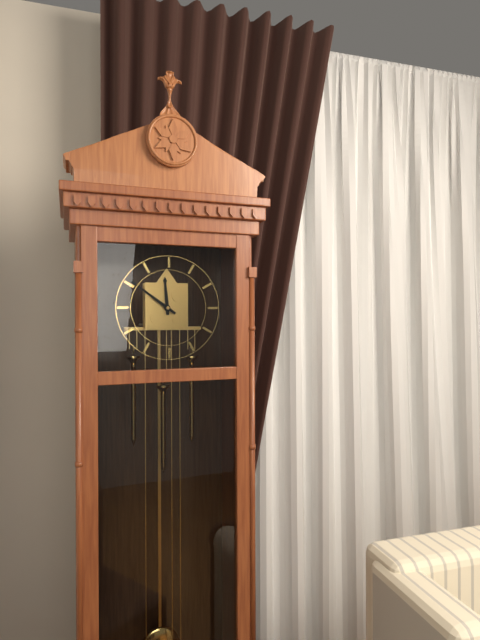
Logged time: 11 h 51 min
